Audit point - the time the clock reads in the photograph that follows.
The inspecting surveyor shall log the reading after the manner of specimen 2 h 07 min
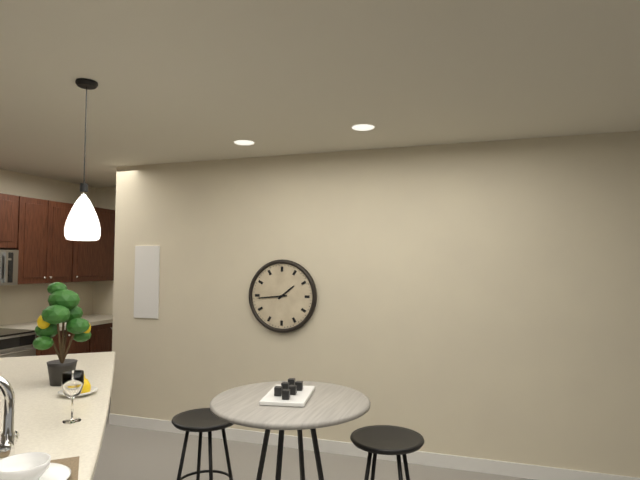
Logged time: 1 h 44 min
